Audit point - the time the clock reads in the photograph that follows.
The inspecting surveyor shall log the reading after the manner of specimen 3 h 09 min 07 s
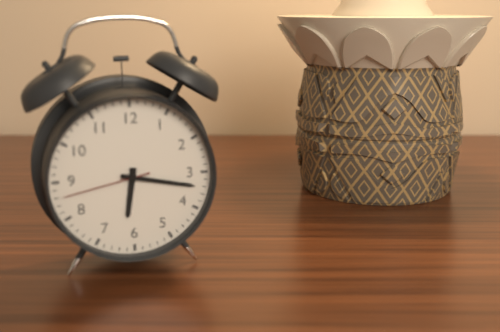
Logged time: 6 h 17 min 43 s
